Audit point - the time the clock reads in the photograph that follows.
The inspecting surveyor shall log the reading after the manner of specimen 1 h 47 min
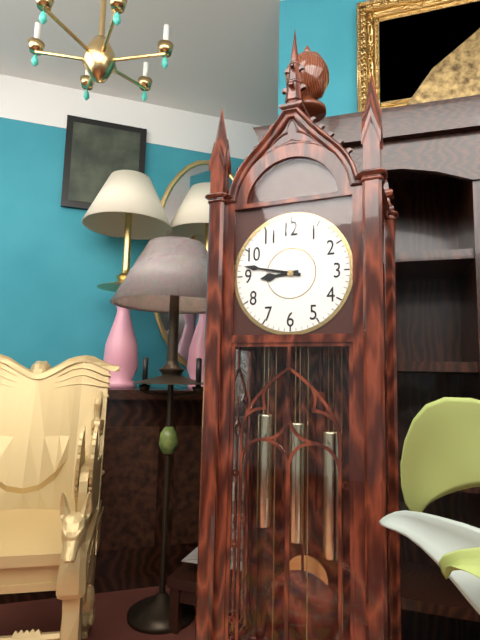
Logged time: 8 h 47 min
